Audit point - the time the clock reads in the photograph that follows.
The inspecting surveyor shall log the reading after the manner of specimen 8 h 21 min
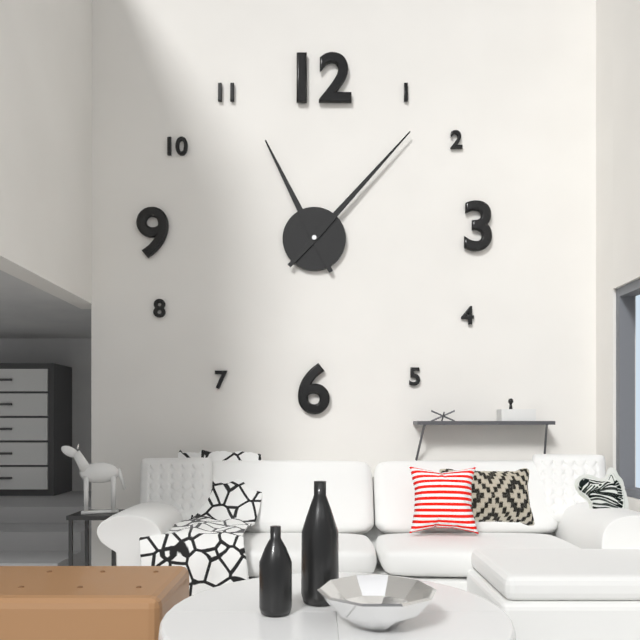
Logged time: 11 h 07 min
